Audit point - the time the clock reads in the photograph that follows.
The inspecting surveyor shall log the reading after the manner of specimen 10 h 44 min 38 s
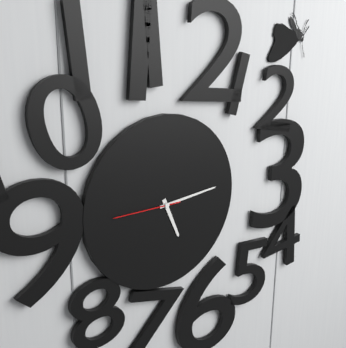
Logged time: 5 h 14 min 45 s
